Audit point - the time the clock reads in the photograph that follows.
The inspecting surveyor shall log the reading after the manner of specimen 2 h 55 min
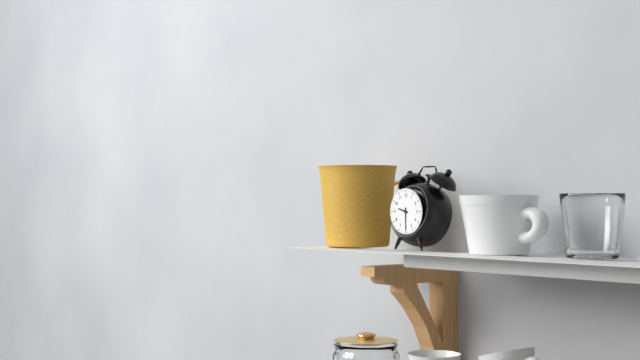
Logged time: 9 h 30 min
